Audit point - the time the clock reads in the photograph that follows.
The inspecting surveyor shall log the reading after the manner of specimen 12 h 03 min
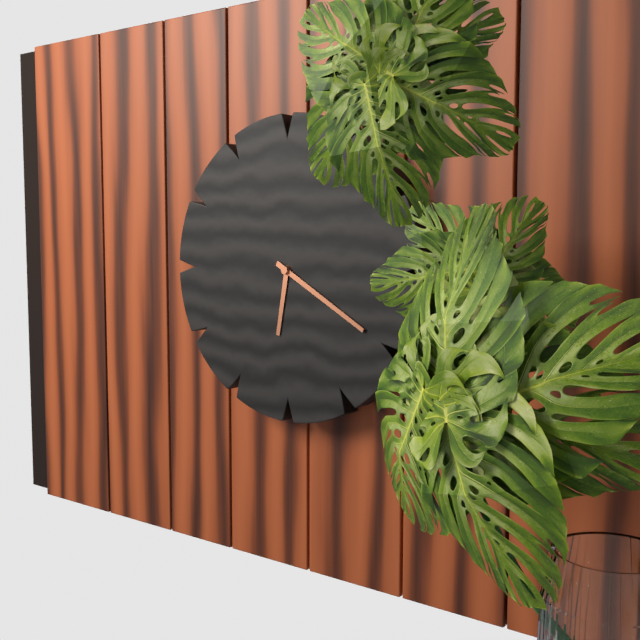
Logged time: 6 h 20 min
